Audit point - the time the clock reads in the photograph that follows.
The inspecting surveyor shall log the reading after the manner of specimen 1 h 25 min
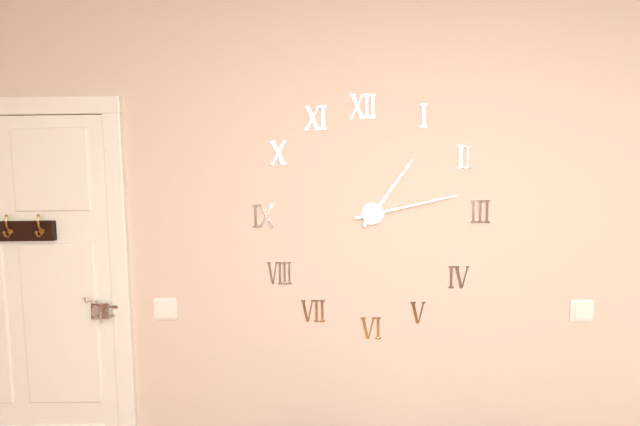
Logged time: 1 h 13 min
